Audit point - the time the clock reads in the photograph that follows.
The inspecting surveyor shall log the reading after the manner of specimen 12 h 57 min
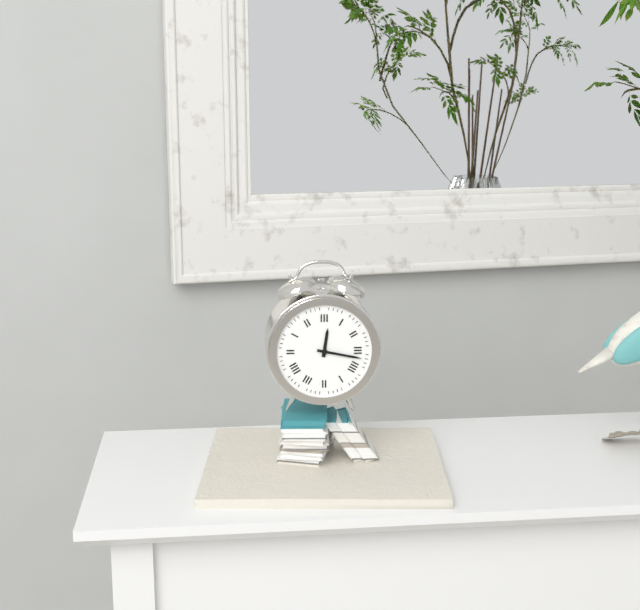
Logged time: 12 h 17 min
